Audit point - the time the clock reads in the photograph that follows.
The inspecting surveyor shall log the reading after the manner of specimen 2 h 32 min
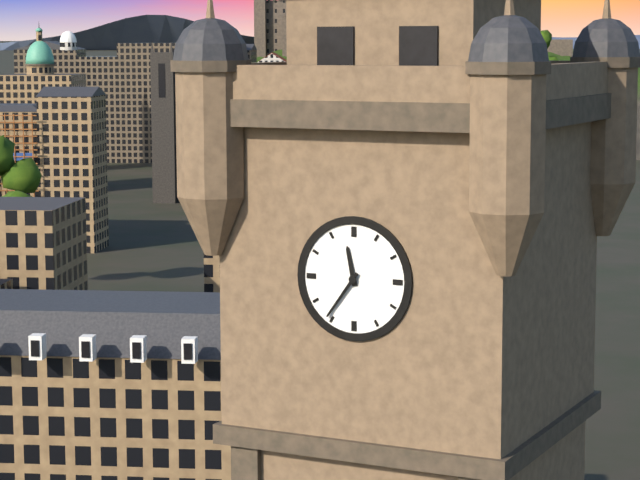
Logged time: 11 h 36 min
